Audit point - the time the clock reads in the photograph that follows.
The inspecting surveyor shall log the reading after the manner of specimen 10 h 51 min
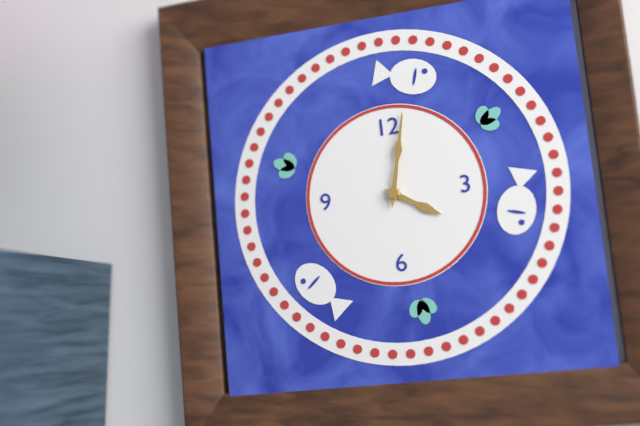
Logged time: 4 h 02 min
